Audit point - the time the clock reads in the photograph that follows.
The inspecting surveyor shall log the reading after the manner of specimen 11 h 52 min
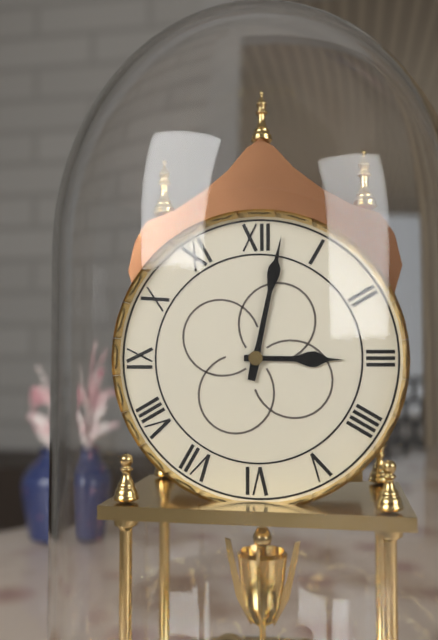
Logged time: 3 h 02 min
